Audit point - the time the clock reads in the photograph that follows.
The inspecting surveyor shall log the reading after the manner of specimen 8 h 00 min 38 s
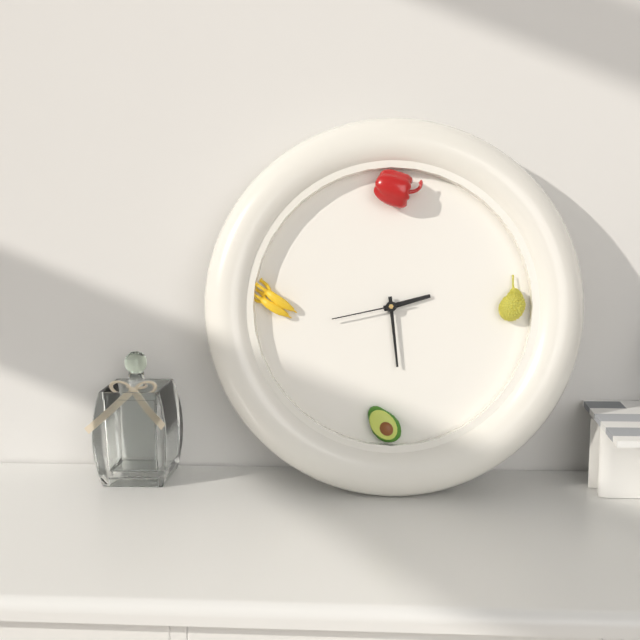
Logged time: 2 h 29 min 43 s
